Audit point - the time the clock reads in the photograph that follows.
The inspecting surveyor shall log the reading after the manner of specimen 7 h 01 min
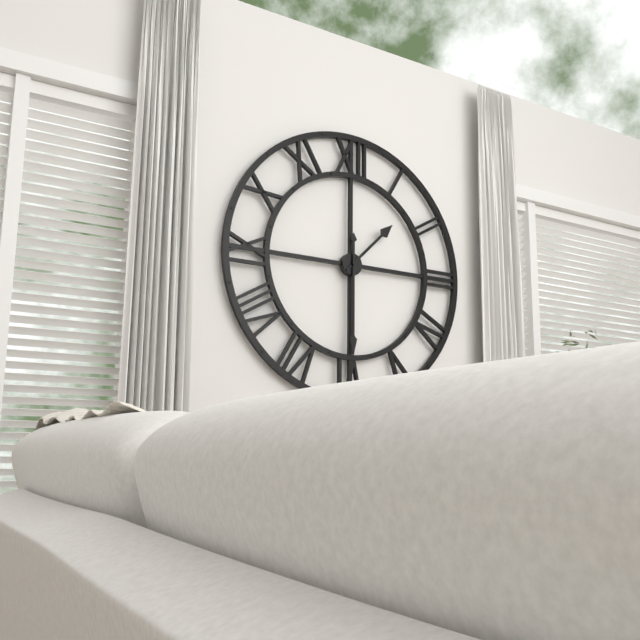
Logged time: 1 h 30 min
